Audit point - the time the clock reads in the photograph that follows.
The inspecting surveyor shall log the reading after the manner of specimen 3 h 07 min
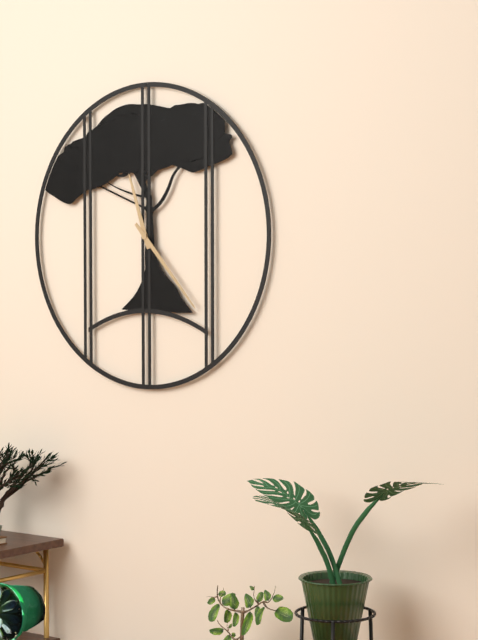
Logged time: 11 h 23 min
